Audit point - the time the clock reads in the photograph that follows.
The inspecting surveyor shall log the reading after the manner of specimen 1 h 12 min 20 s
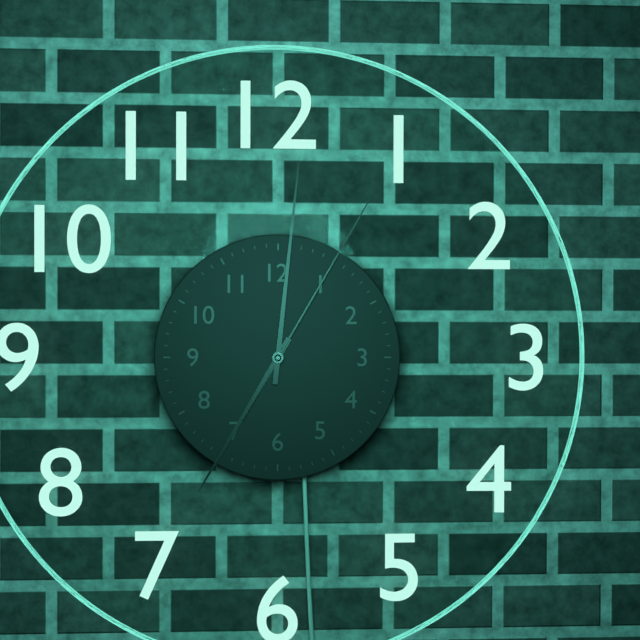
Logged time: 7 h 01 min 05 s
